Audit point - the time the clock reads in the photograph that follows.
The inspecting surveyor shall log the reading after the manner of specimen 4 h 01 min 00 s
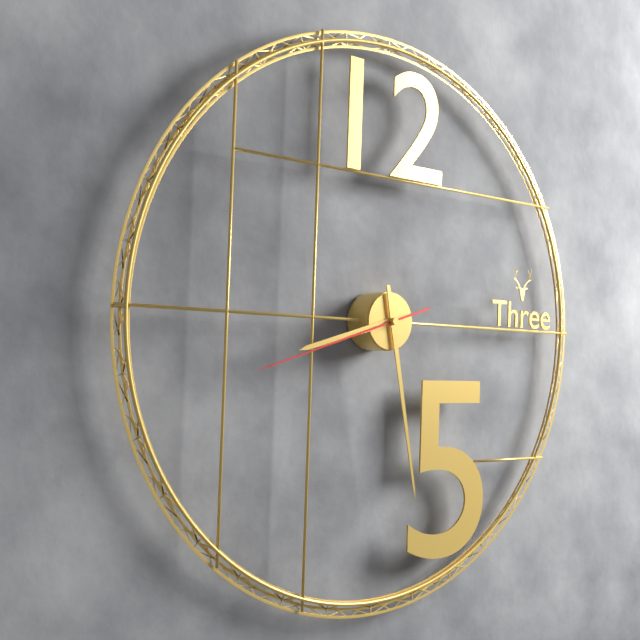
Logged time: 8 h 28 min 42 s
